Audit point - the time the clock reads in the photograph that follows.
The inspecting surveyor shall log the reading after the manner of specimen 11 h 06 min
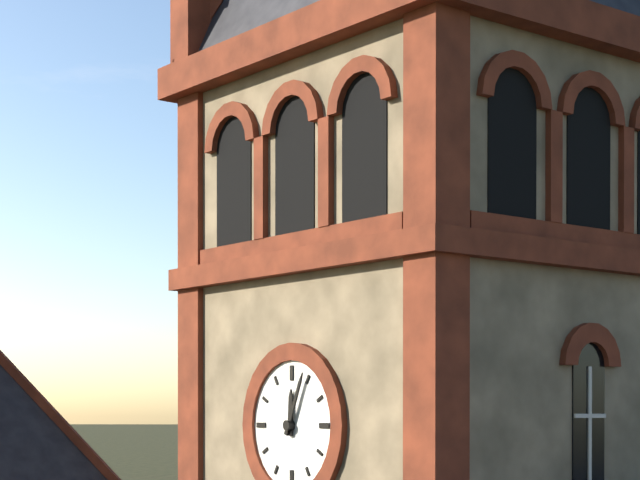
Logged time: 12 h 04 min
